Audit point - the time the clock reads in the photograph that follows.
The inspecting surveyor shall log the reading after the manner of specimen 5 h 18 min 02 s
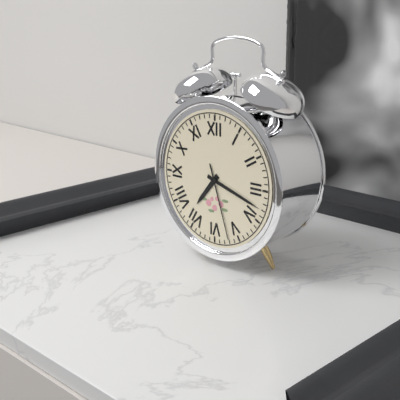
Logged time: 7 h 18 min 27 s
